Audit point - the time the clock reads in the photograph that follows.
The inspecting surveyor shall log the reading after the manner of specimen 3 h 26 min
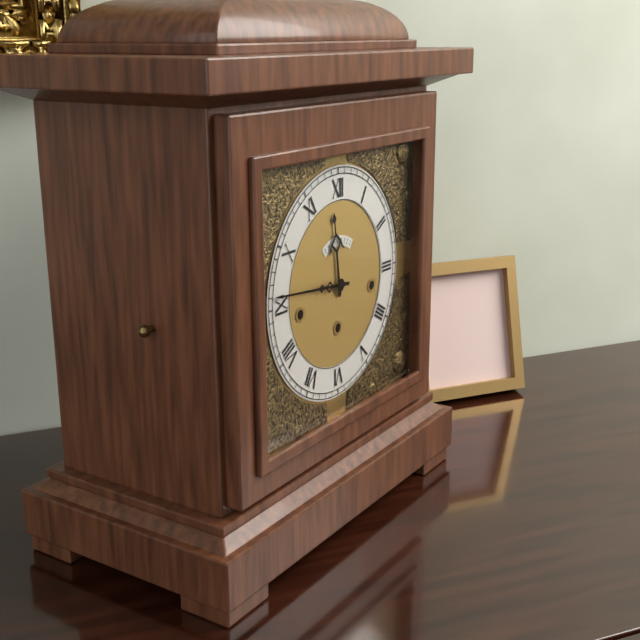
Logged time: 11 h 46 min
